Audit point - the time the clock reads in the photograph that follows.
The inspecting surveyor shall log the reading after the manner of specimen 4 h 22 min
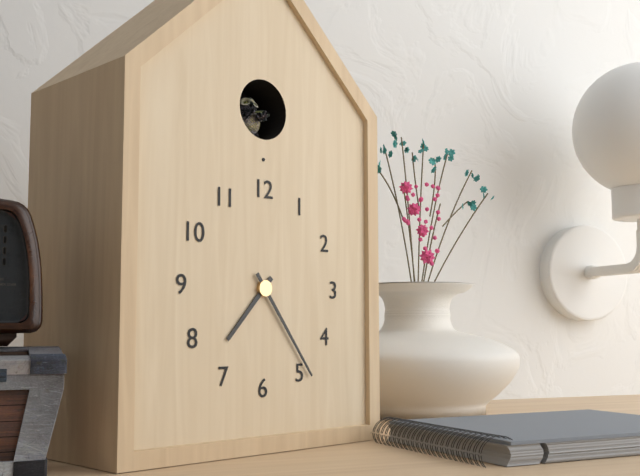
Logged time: 7 h 24 min
